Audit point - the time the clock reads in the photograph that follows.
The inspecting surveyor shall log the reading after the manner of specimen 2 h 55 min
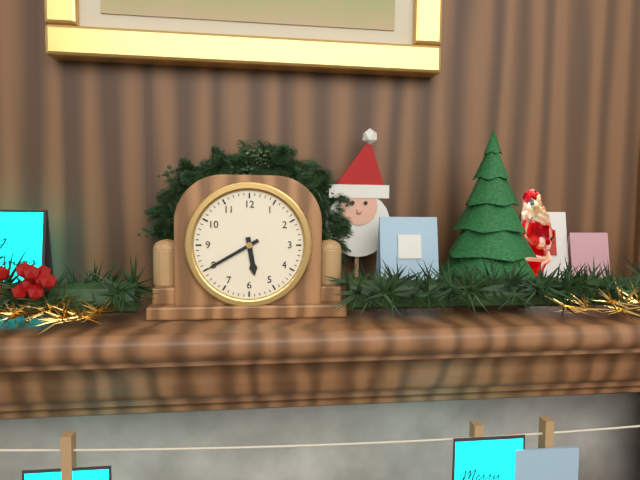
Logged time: 5 h 40 min
